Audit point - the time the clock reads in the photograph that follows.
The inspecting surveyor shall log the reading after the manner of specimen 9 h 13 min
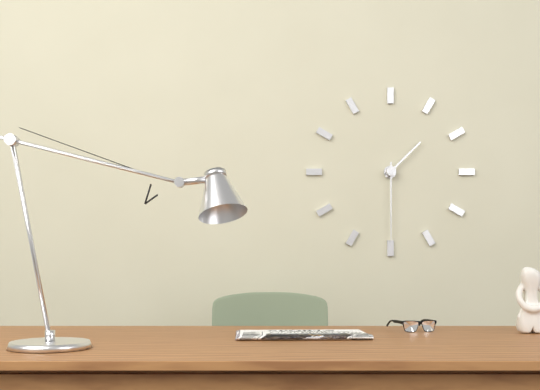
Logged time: 1 h 30 min
